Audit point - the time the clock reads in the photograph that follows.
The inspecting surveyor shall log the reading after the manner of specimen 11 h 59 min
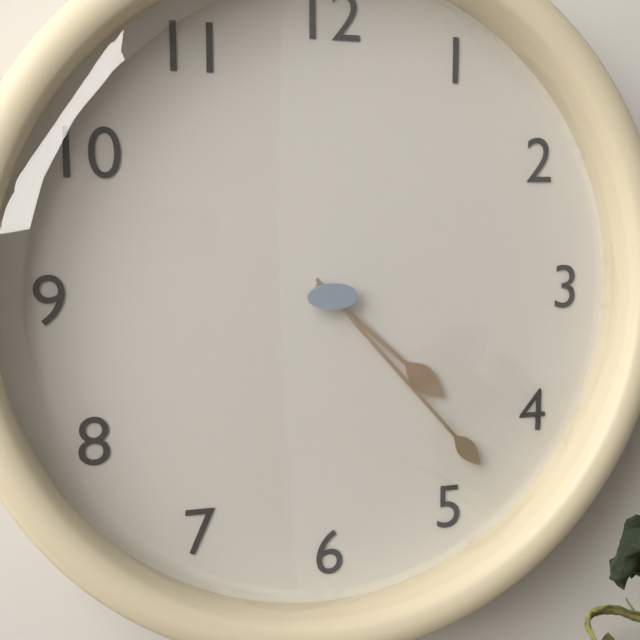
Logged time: 4 h 23 min
